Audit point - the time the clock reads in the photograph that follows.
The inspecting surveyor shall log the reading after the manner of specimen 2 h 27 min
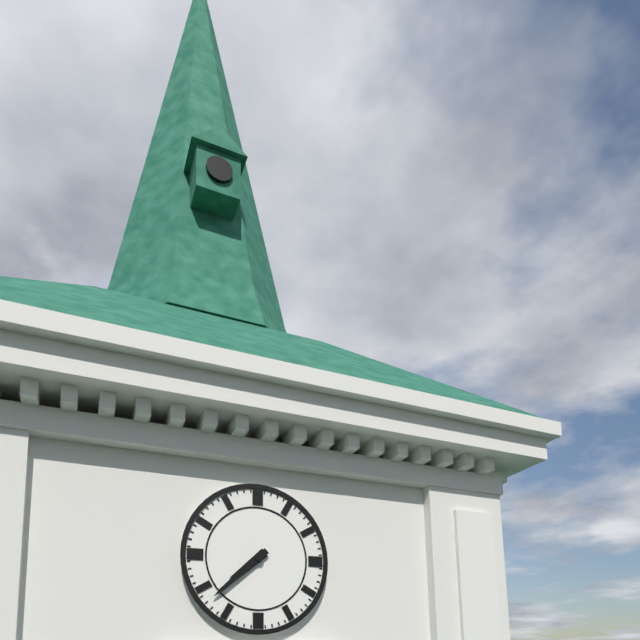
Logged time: 7 h 38 min
